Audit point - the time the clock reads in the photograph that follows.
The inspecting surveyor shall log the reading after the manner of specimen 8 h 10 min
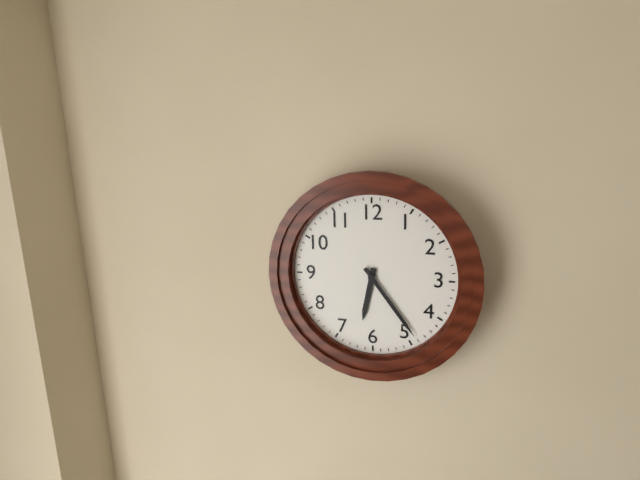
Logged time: 6 h 24 min
